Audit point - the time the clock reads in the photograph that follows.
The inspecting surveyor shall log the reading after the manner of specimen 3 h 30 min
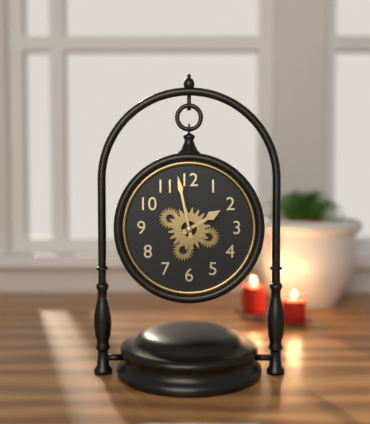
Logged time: 1 h 58 min
